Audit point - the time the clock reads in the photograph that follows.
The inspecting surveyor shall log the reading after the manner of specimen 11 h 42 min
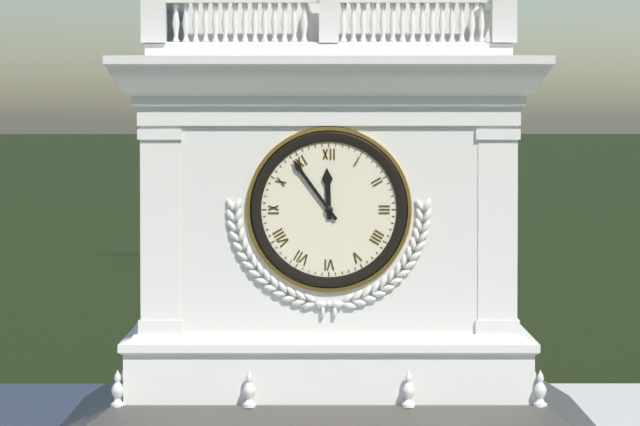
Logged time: 11 h 54 min
